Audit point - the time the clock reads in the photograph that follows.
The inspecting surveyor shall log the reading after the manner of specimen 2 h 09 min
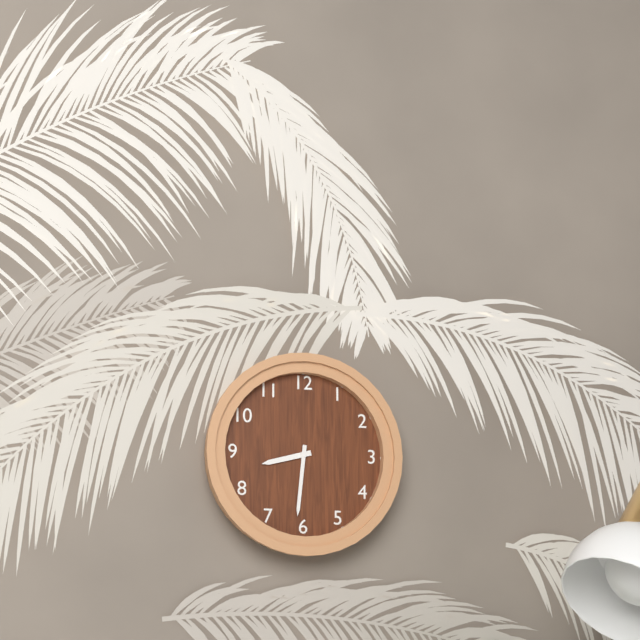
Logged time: 8 h 31 min
